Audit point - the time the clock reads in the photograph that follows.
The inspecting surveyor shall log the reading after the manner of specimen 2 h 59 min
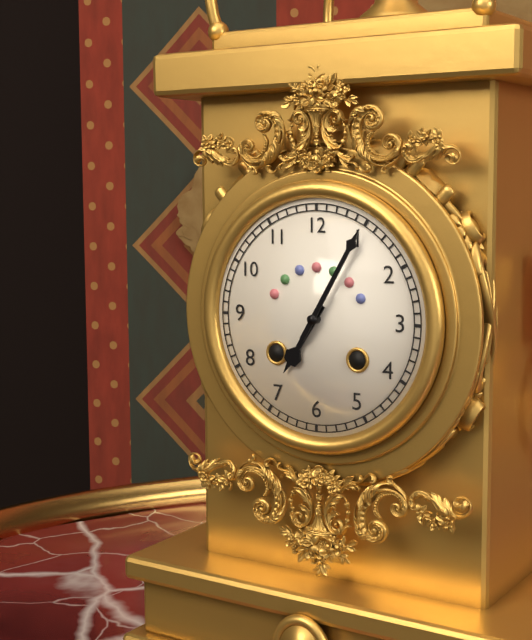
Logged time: 7 h 05 min
